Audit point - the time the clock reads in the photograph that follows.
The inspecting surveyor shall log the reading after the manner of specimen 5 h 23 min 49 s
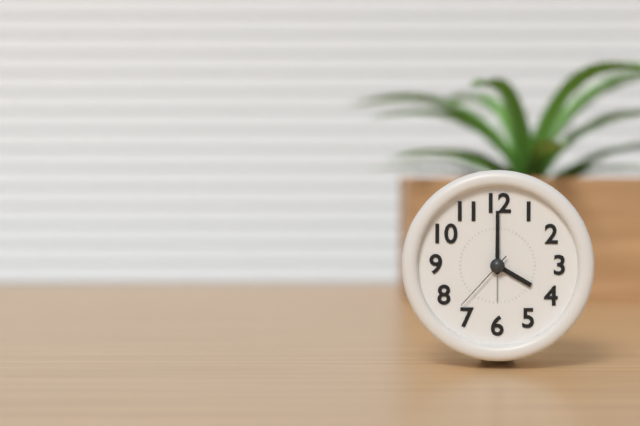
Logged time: 4 h 00 min 37 s
